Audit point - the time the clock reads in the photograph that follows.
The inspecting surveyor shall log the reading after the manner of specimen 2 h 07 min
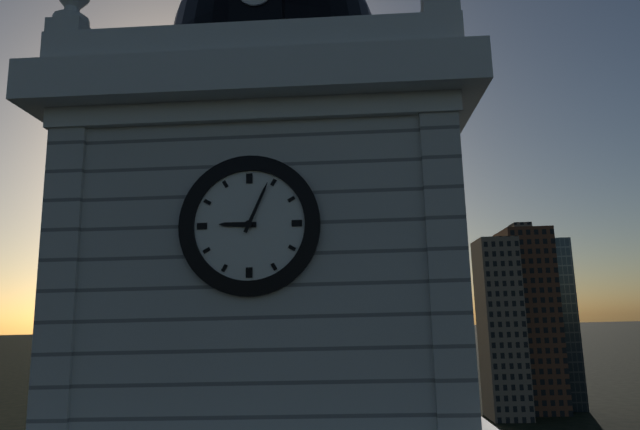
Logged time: 9 h 04 min
